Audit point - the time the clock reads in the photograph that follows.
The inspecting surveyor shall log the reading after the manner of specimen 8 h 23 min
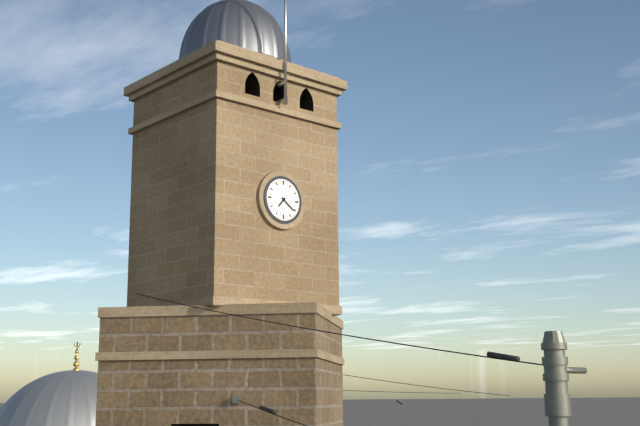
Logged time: 7 h 21 min
